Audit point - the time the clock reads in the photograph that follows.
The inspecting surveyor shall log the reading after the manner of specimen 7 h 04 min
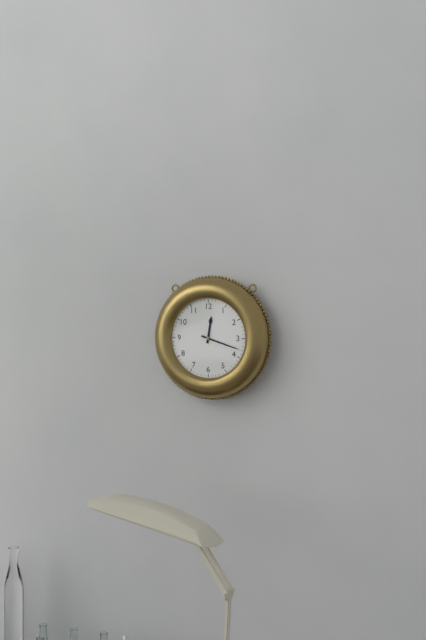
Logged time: 12 h 18 min
